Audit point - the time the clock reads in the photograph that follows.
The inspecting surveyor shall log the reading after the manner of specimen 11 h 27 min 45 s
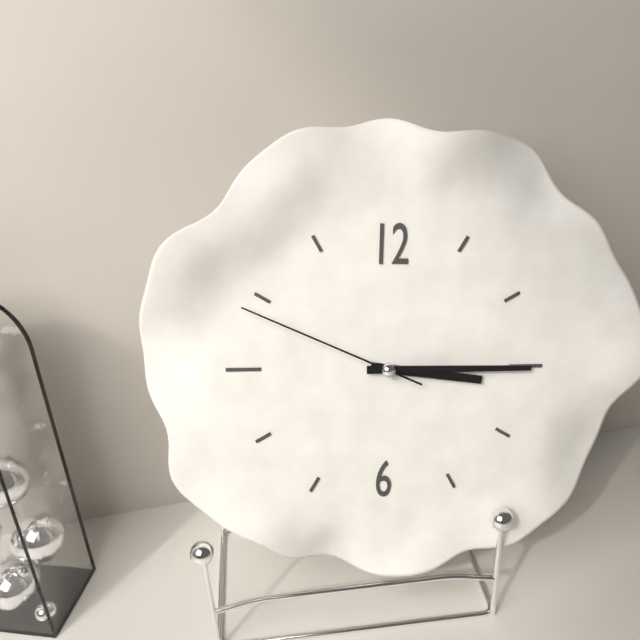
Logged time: 3 h 15 min 49 s
